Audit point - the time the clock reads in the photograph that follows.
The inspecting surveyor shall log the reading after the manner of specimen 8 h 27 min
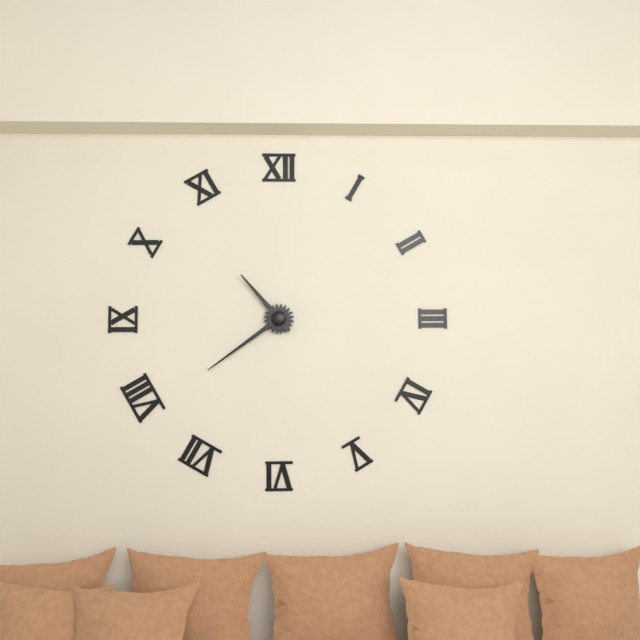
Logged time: 10 h 39 min
